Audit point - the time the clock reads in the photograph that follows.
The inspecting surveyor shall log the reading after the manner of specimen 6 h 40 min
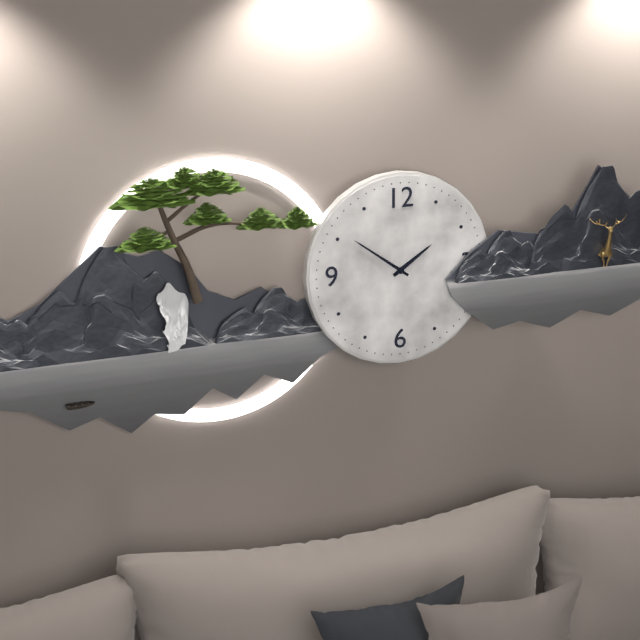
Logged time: 1 h 51 min
